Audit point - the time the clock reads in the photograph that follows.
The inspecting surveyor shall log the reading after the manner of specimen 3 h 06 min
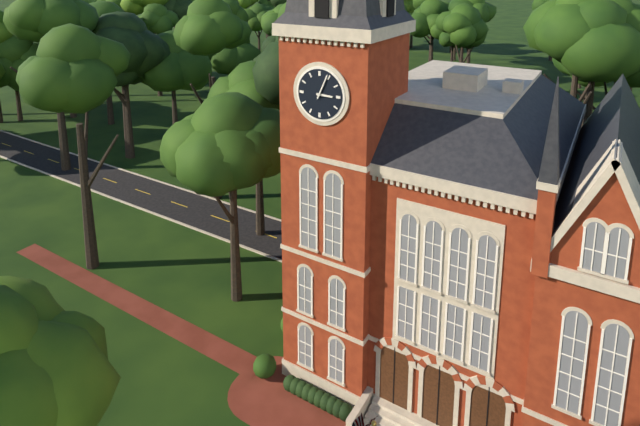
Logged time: 3 h 04 min
